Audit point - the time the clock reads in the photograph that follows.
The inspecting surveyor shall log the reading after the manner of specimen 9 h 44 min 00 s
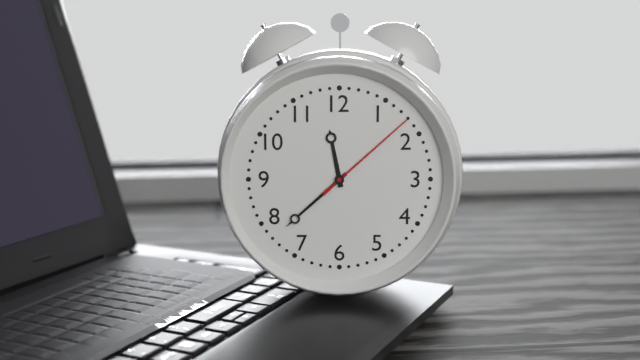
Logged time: 11 h 38 min 08 s
